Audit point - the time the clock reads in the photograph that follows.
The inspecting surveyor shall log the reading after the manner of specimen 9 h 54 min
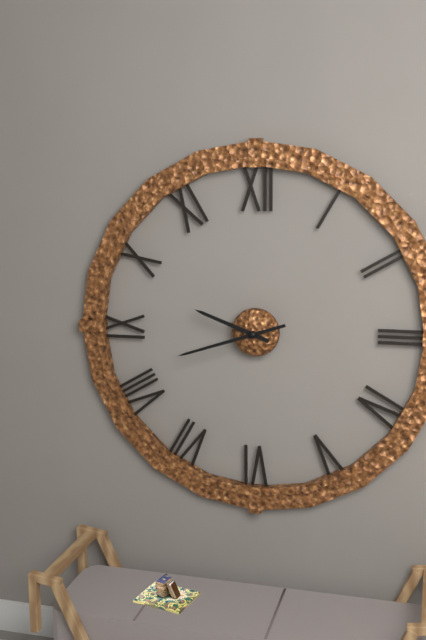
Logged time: 9 h 42 min
